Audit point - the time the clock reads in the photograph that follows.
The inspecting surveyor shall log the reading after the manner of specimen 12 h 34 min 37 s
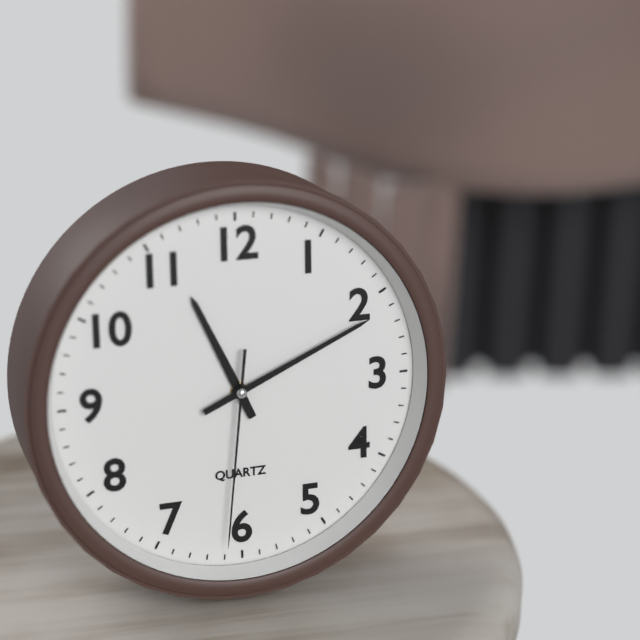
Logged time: 11 h 11 min 31 s
